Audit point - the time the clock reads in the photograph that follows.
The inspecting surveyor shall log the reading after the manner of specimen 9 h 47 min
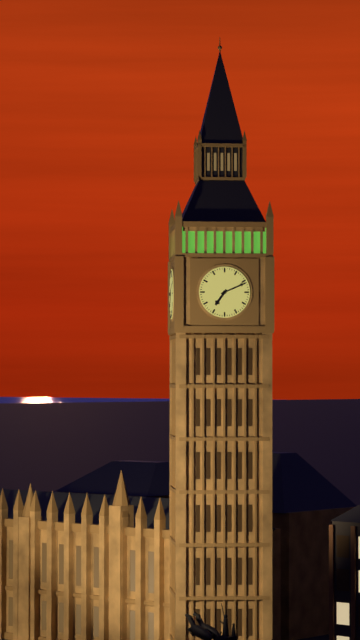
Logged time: 7 h 11 min
